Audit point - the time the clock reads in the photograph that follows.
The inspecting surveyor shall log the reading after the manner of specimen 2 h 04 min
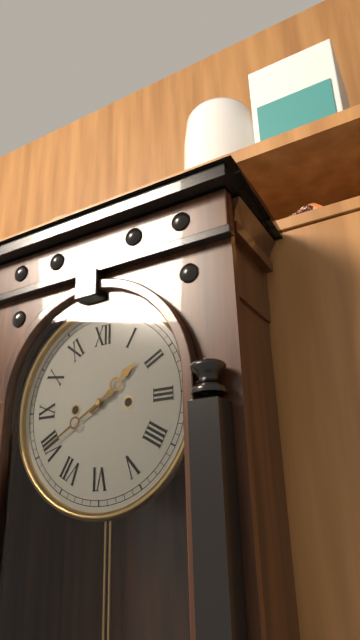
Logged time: 1 h 40 min
